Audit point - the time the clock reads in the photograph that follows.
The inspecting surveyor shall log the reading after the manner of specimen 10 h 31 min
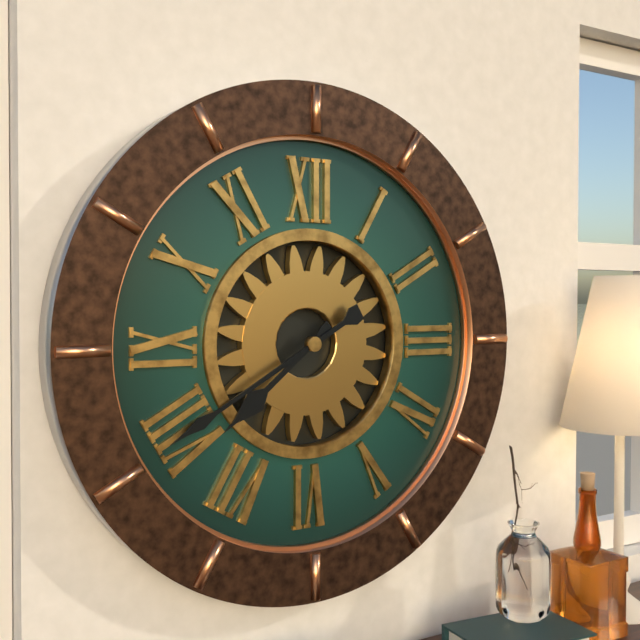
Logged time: 7 h 40 min
